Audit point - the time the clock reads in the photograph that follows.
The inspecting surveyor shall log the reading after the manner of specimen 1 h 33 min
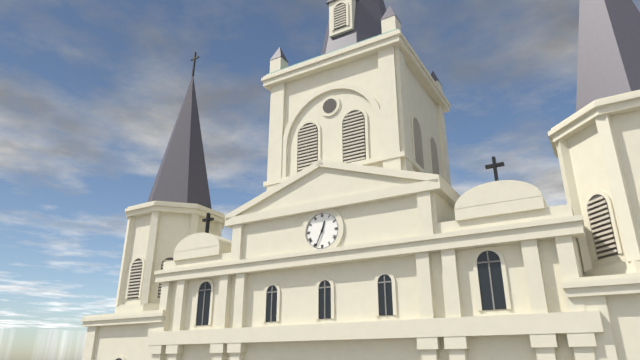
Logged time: 12 h 34 min
